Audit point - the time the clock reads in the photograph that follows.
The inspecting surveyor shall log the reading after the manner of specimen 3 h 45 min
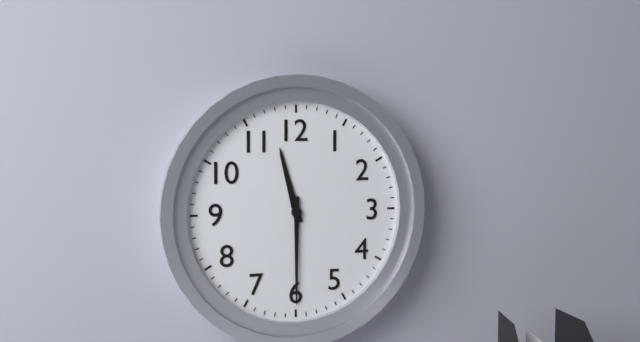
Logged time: 11 h 30 min
